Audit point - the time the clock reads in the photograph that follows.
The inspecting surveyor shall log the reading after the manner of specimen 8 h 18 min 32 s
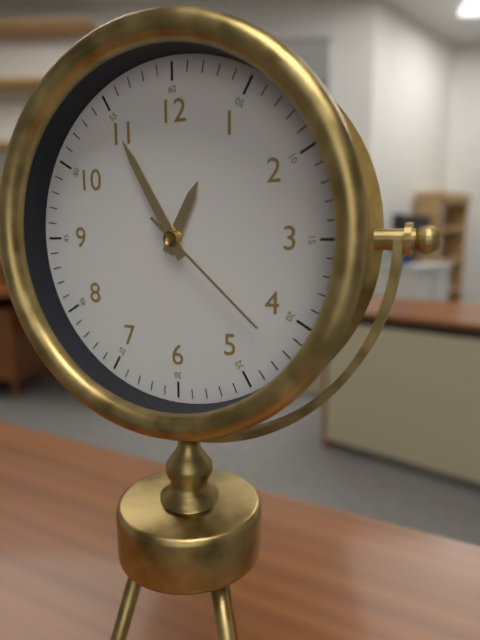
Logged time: 12 h 55 min 22 s
